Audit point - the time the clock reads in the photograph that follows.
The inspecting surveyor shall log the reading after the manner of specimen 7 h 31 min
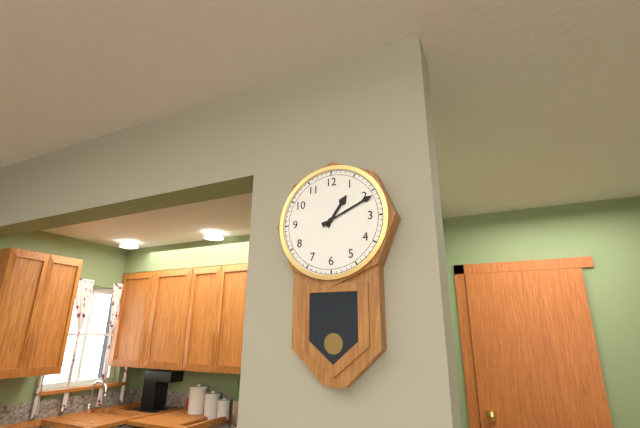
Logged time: 1 h 11 min
